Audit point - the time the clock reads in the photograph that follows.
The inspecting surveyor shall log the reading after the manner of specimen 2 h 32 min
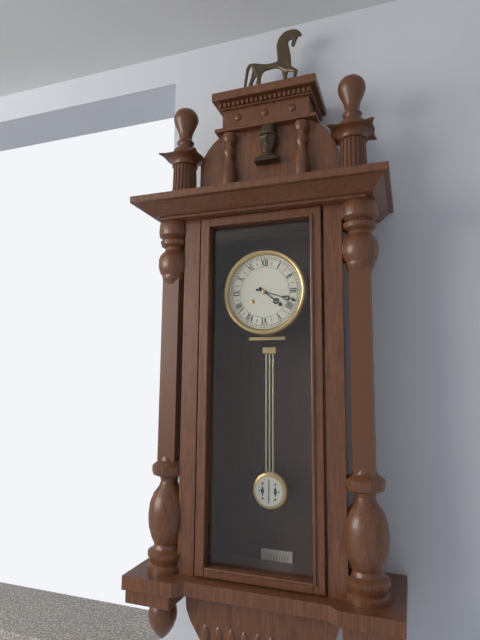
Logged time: 4 h 18 min
